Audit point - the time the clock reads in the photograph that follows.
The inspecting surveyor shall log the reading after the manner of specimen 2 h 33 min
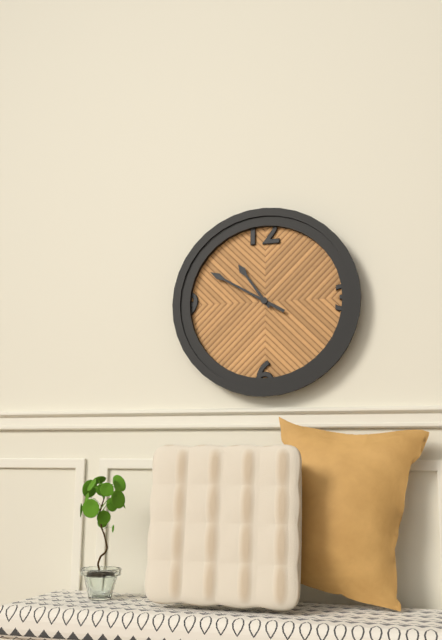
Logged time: 10 h 50 min
